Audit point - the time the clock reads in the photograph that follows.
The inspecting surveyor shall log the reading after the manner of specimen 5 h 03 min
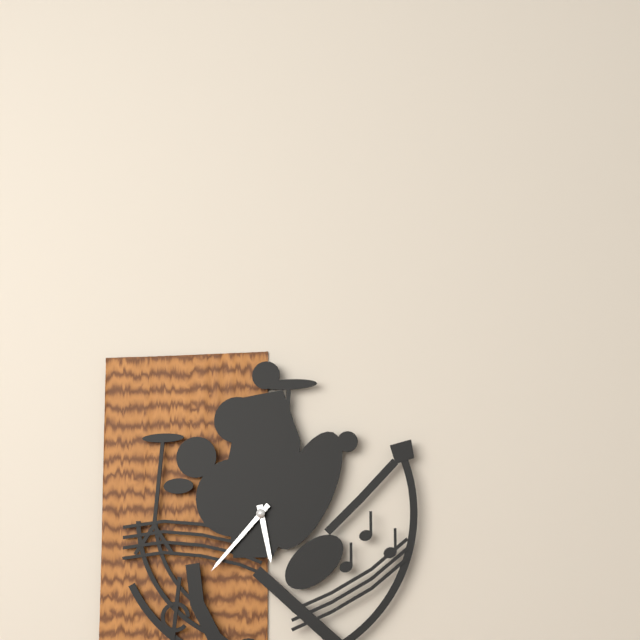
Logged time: 5 h 37 min
